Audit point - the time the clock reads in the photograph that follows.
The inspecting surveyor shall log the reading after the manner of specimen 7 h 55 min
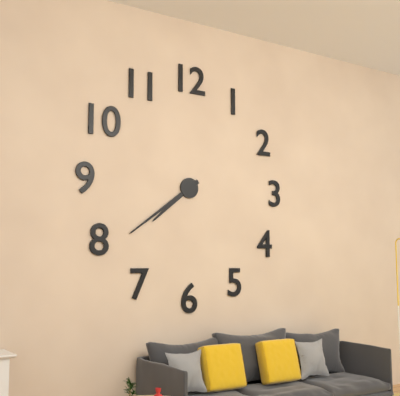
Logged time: 7 h 39 min
